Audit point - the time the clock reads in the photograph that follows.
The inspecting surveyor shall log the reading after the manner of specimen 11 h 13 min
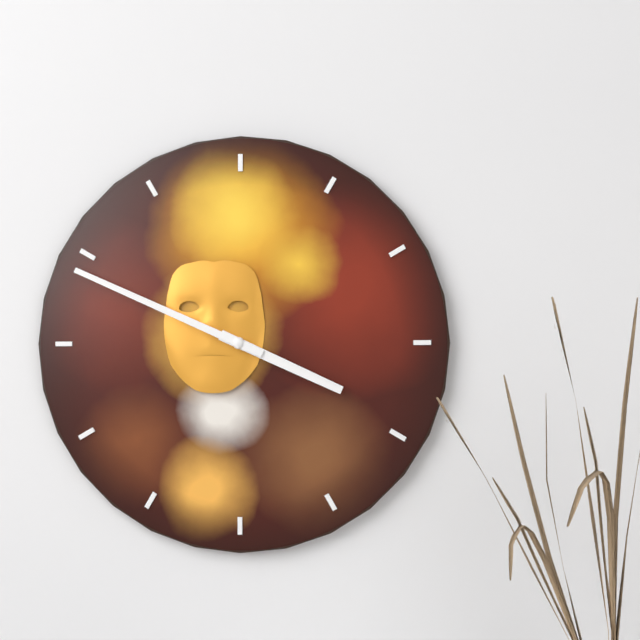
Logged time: 3 h 49 min
